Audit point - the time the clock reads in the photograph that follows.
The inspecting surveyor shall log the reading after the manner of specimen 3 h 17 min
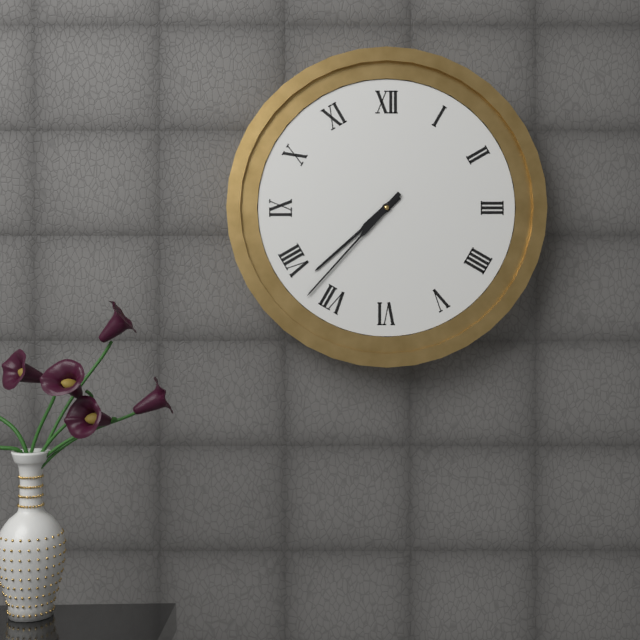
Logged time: 7 h 37 min
